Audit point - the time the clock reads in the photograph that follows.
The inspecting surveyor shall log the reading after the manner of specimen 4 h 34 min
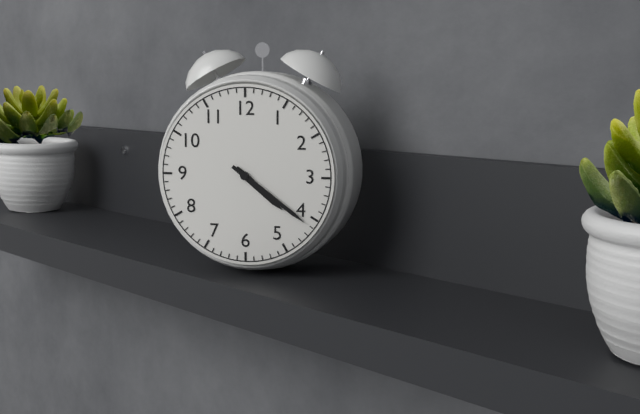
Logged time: 4 h 21 min
